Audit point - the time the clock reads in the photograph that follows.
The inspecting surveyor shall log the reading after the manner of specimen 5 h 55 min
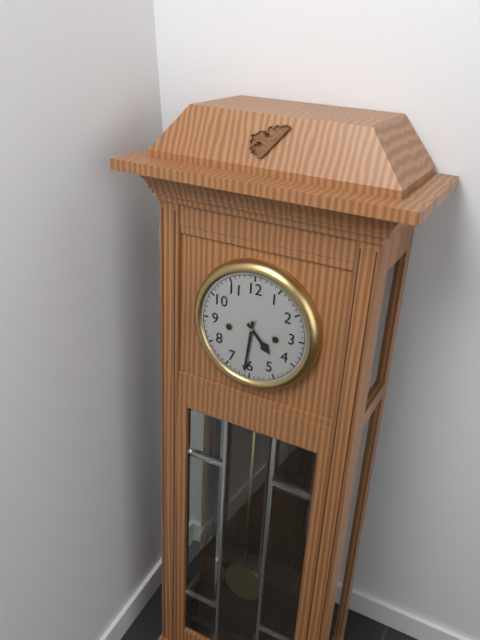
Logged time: 4 h 31 min
